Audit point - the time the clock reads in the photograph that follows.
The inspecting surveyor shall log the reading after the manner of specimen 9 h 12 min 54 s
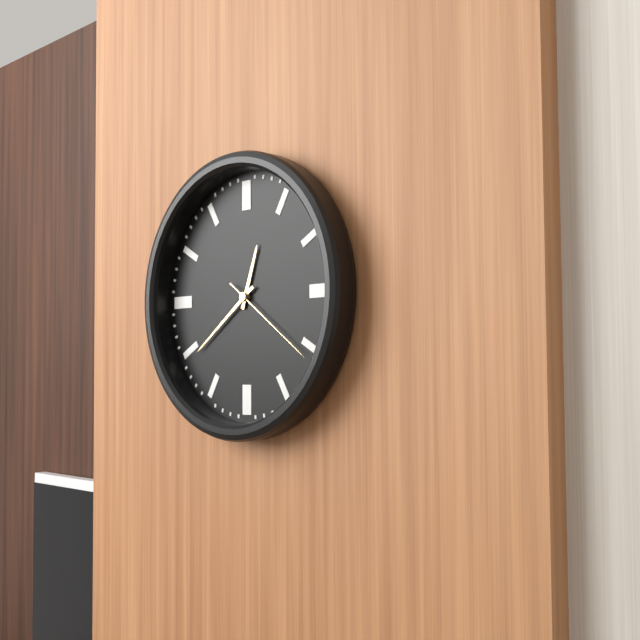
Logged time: 12 h 39 min 21 s
